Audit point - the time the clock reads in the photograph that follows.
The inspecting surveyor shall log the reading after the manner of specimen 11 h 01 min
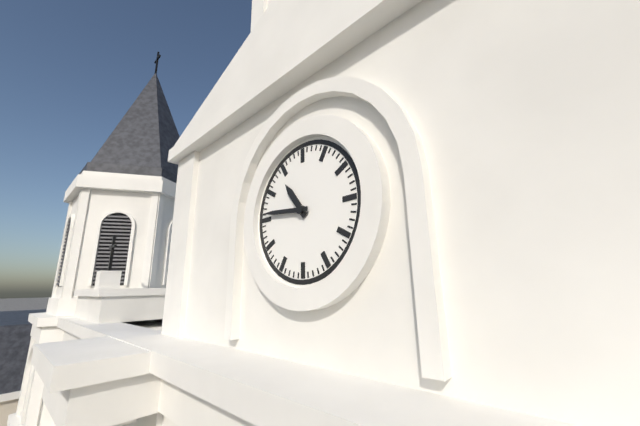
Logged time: 10 h 46 min
